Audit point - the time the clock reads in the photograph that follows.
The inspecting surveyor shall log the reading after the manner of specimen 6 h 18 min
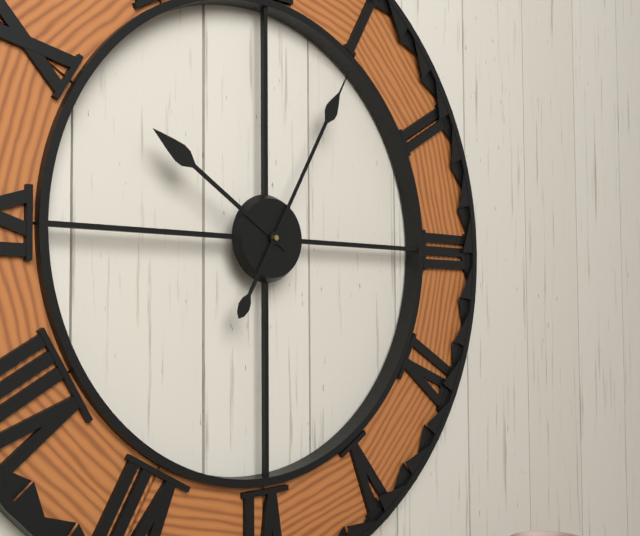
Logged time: 10 h 05 min
